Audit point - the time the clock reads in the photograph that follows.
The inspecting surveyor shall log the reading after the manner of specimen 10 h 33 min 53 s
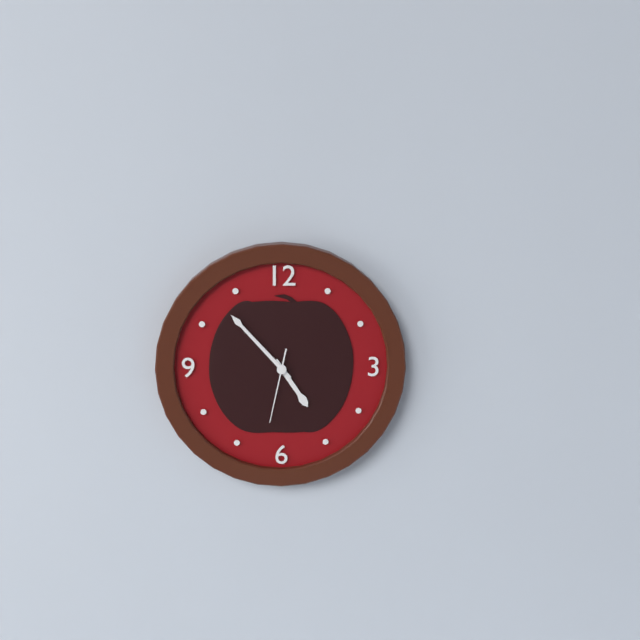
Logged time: 4 h 53 min 32 s
